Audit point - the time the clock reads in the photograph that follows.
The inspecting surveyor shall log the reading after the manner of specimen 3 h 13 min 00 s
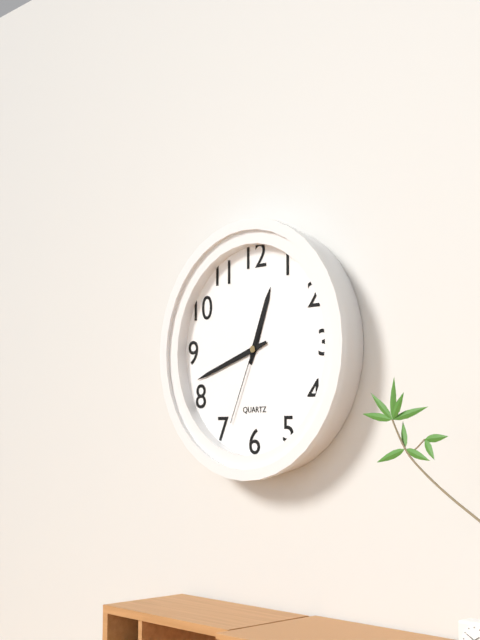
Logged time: 12 h 42 min 34 s
